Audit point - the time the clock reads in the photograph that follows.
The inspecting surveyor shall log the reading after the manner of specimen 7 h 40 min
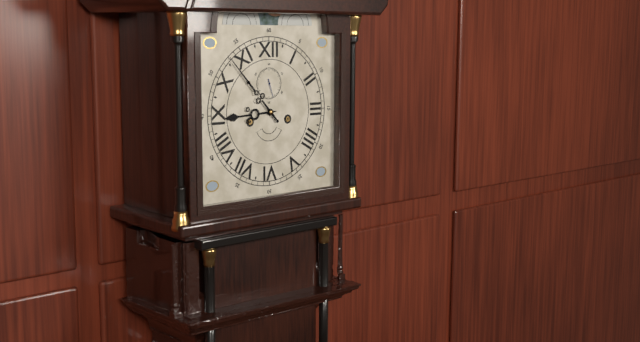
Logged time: 8 h 53 min
